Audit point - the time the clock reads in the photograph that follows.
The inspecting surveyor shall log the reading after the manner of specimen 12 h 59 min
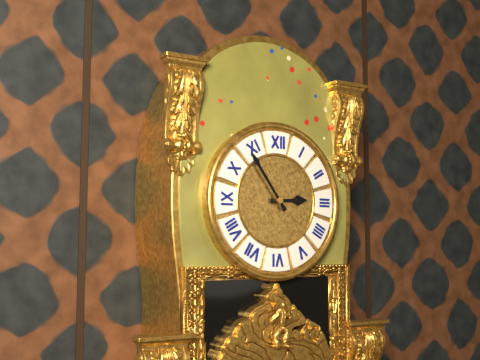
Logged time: 2 h 54 min
